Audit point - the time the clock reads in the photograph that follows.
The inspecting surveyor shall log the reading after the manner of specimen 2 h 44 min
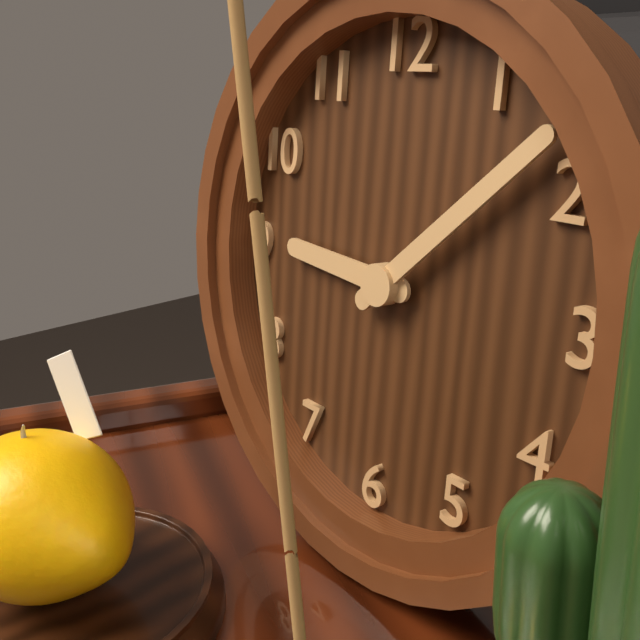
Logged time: 9 h 08 min
